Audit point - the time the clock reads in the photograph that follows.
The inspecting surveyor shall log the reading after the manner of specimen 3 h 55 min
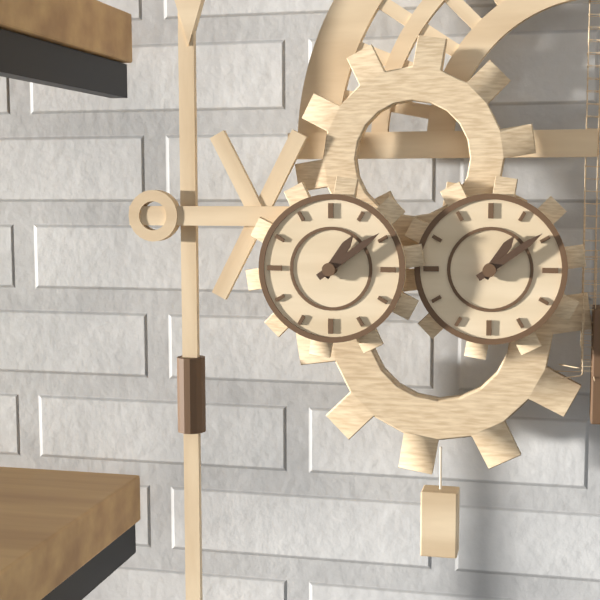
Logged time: 1 h 09 min
